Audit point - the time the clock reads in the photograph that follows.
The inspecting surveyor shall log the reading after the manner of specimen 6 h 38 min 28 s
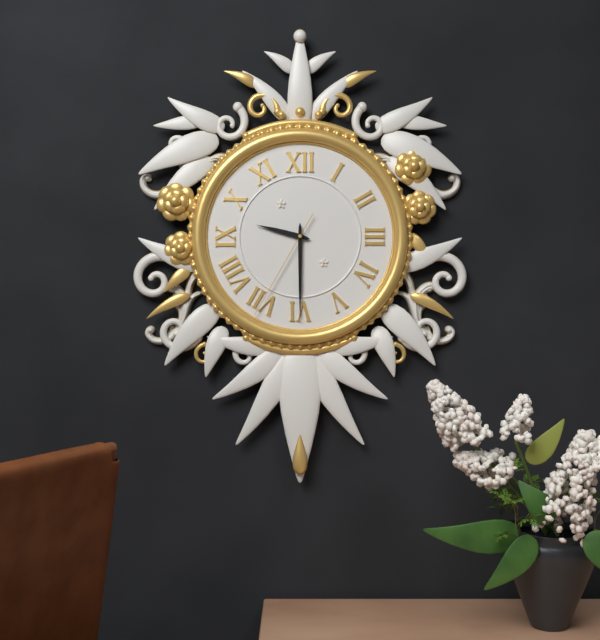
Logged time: 9 h 30 min 35 s
